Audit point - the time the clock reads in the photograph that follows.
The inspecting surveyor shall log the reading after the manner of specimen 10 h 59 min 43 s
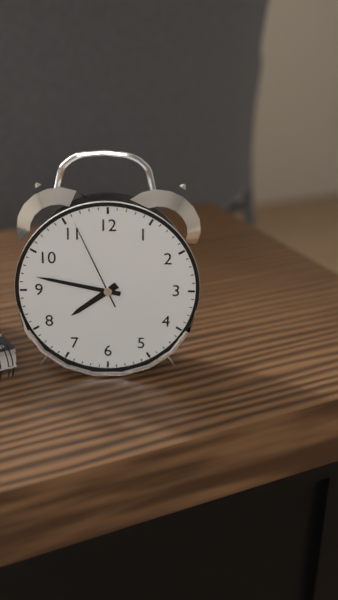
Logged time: 7 h 47 min 56 s
